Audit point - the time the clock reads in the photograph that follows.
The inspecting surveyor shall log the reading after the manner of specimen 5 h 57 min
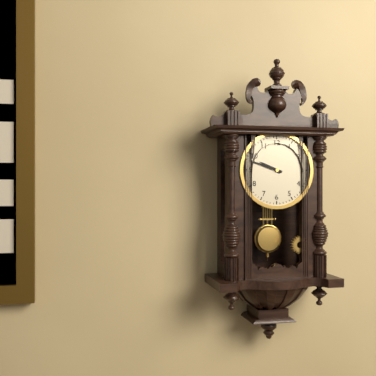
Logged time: 9 h 48 min
